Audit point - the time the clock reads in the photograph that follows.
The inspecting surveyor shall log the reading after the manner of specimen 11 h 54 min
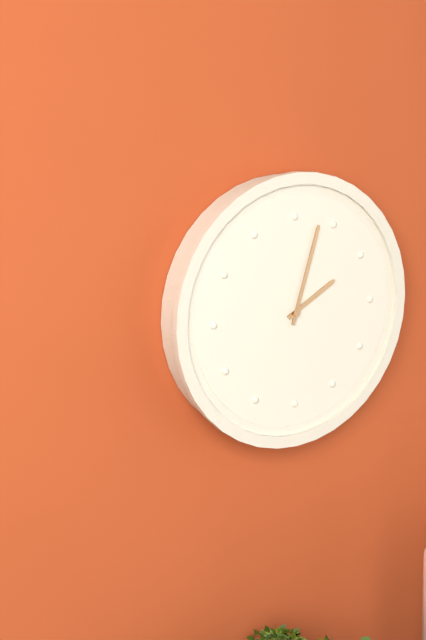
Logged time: 2 h 03 min
